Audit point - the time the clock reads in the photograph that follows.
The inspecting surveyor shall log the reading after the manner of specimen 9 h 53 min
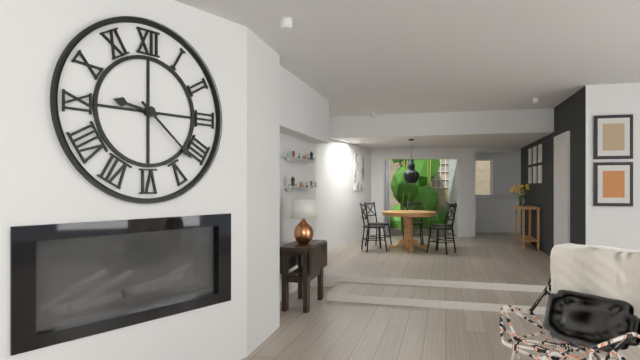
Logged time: 9 h 22 min
